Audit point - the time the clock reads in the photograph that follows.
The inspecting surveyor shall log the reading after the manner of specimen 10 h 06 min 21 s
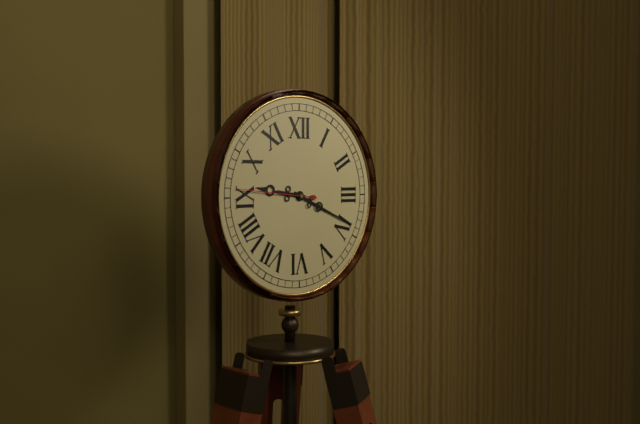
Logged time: 9 h 19 min 46 s
